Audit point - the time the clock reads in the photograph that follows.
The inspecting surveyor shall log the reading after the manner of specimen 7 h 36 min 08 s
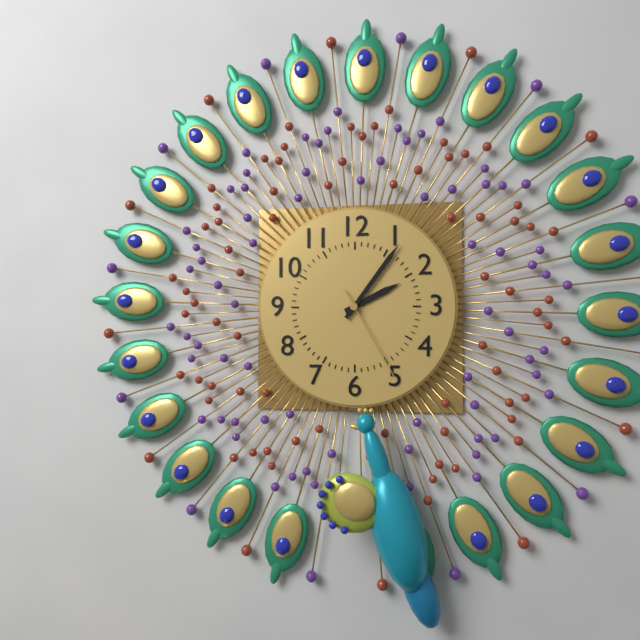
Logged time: 2 h 06 min 25 s
